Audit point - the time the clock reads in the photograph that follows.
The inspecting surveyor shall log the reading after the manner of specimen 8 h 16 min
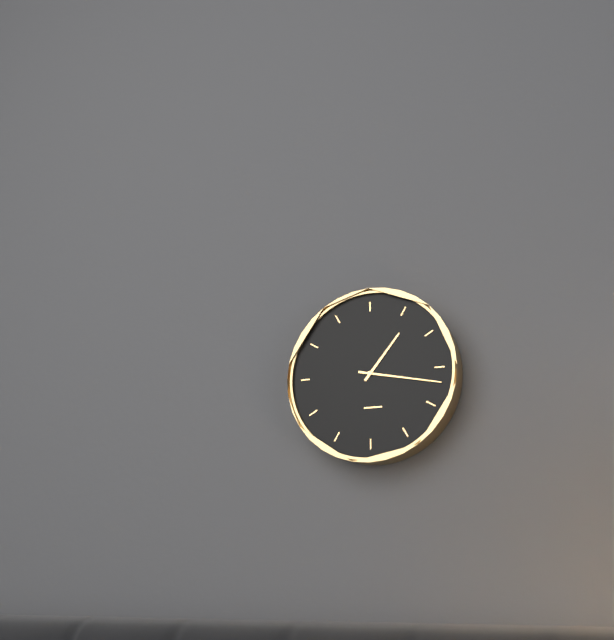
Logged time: 1 h 17 min
